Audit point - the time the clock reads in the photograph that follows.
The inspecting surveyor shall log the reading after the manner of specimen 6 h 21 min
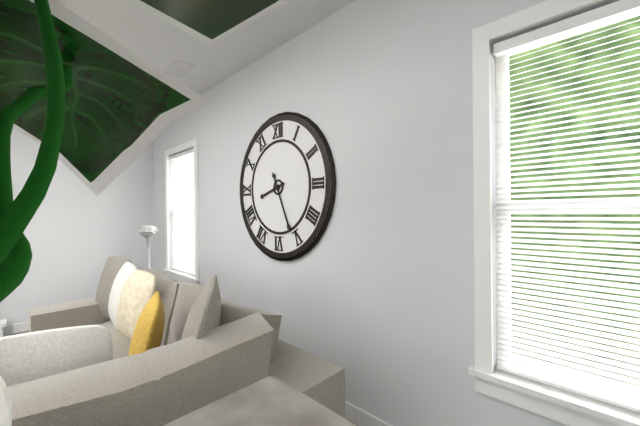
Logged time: 8 h 26 min
